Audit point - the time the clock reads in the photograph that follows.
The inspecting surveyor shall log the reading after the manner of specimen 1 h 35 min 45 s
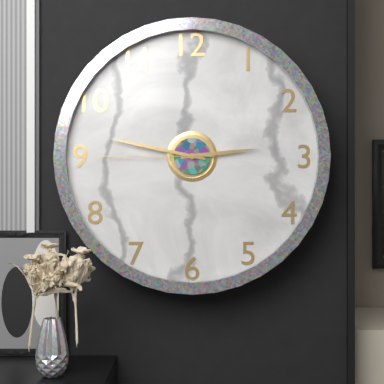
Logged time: 2 h 47 min 45 s
